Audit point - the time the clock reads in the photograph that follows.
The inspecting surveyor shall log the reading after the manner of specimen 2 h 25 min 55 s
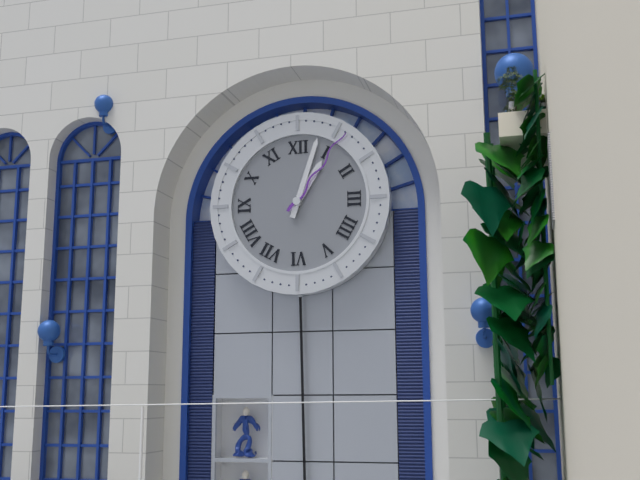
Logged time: 1 h 03 min 06 s
